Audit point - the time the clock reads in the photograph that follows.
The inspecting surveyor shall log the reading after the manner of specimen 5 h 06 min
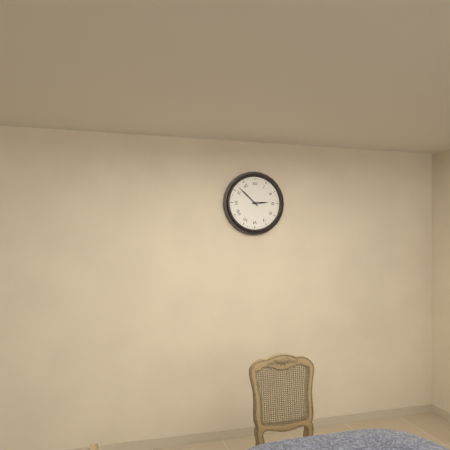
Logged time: 2 h 52 min
